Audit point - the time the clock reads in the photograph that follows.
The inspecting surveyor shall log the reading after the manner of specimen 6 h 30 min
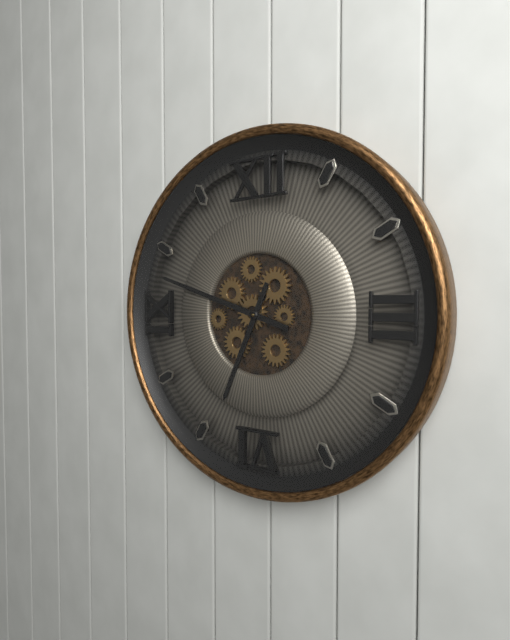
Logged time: 6 h 48 min
